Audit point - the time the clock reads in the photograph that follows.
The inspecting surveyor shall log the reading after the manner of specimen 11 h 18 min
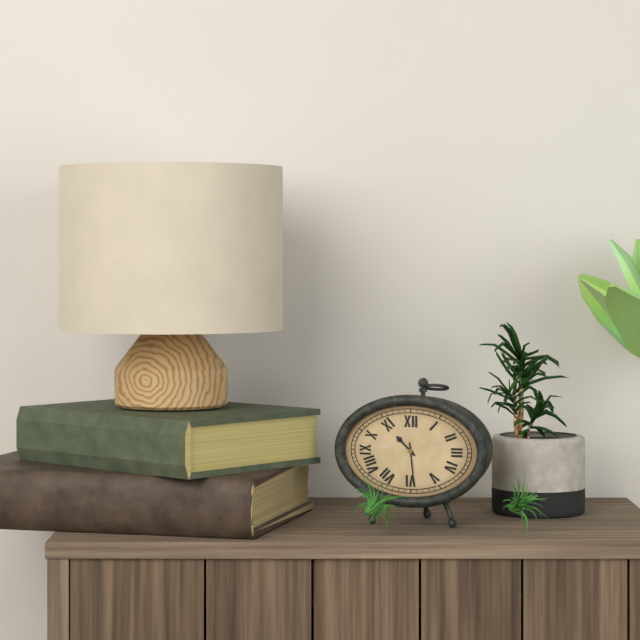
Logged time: 10 h 29 min
